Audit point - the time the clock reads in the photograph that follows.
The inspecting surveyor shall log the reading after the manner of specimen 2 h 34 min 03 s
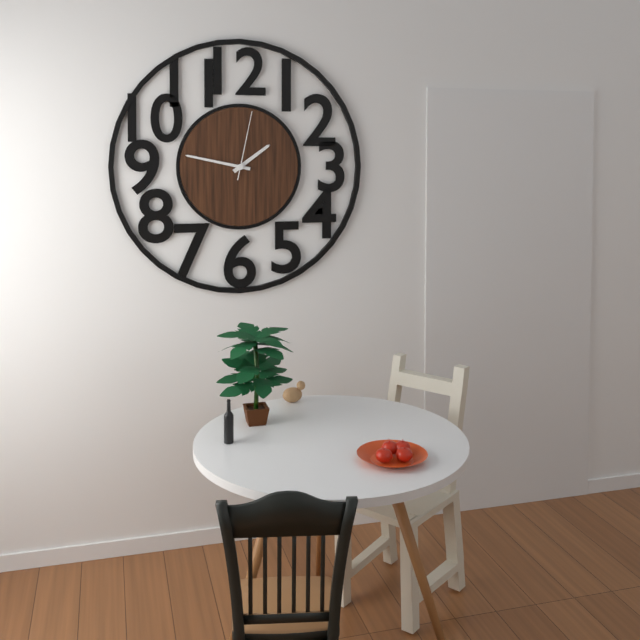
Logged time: 1 h 47 min 02 s
